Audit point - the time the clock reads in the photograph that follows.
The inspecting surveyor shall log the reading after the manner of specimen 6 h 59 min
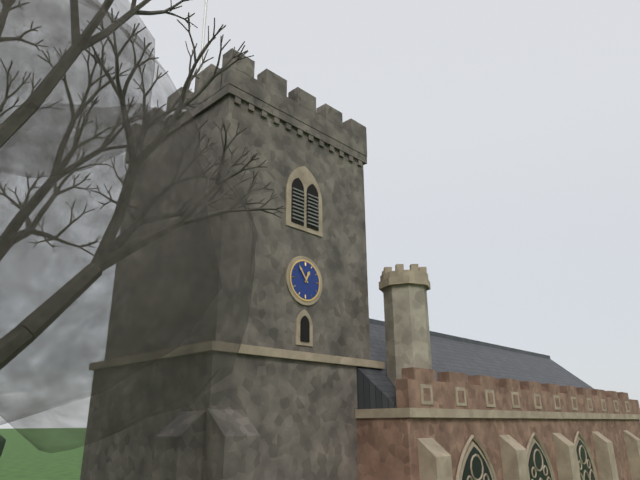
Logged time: 12 h 54 min
